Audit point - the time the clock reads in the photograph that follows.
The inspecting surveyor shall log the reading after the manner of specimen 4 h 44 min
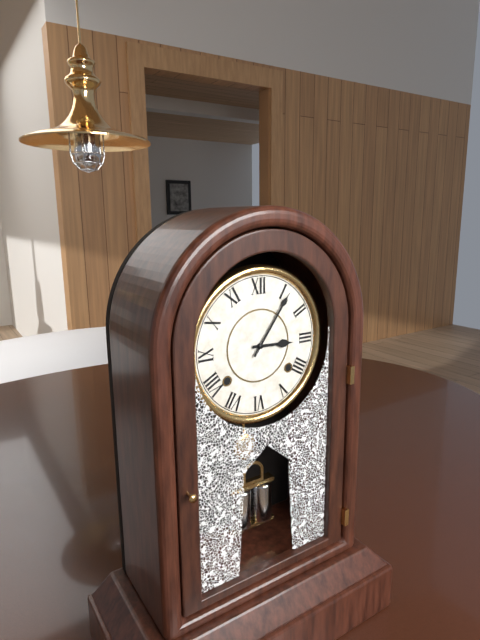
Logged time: 3 h 06 min
